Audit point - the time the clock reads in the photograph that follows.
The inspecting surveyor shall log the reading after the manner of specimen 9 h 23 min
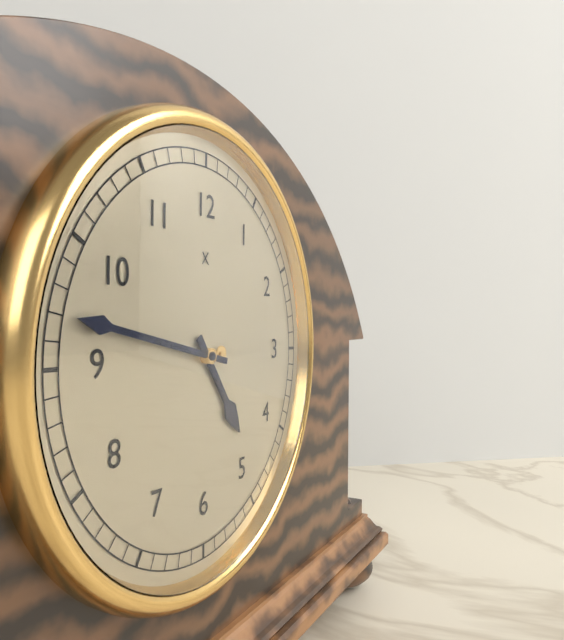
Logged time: 4 h 47 min
